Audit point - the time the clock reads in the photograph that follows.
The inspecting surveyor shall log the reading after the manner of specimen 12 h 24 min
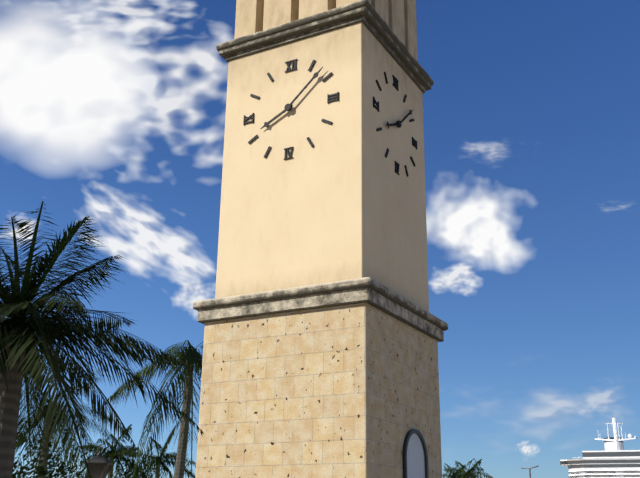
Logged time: 8 h 08 min
